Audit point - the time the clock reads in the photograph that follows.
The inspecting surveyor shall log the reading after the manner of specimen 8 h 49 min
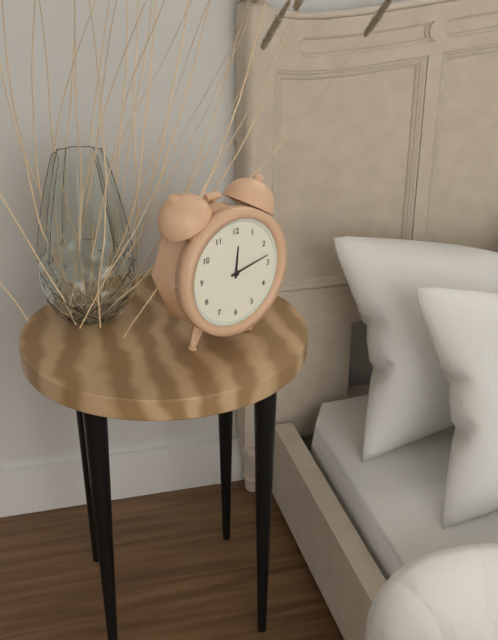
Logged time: 12 h 13 min
